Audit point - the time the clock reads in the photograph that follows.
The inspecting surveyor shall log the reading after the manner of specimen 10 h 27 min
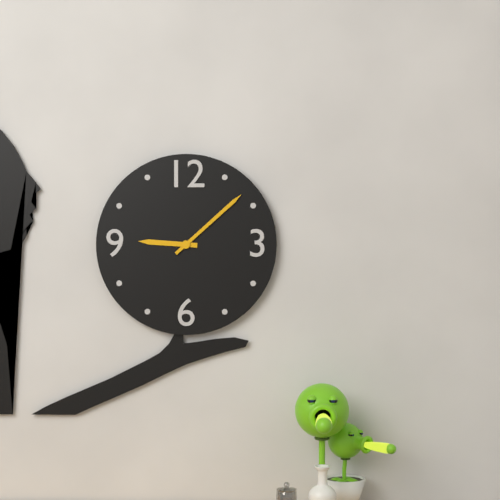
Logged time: 9 h 08 min
